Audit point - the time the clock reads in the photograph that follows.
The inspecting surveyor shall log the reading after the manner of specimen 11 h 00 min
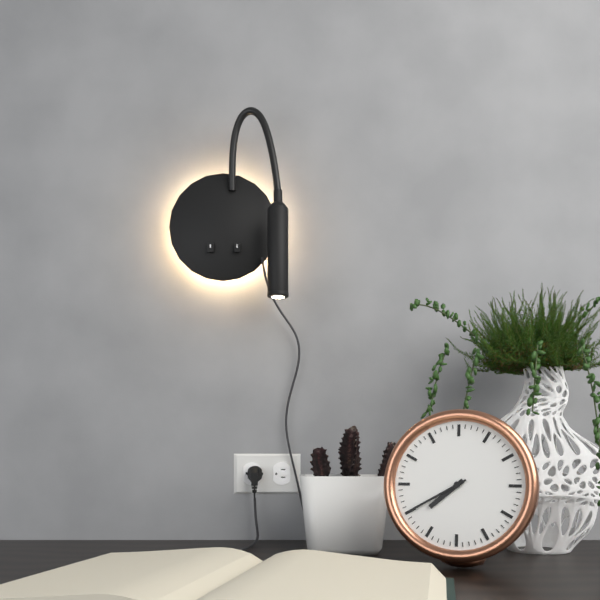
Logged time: 7 h 40 min
